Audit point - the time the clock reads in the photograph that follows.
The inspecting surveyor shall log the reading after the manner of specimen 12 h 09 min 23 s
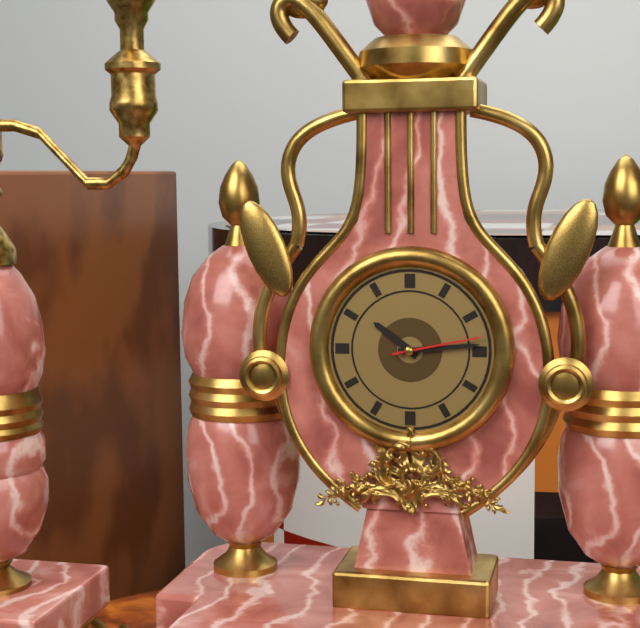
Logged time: 10 h 14 min 13 s
